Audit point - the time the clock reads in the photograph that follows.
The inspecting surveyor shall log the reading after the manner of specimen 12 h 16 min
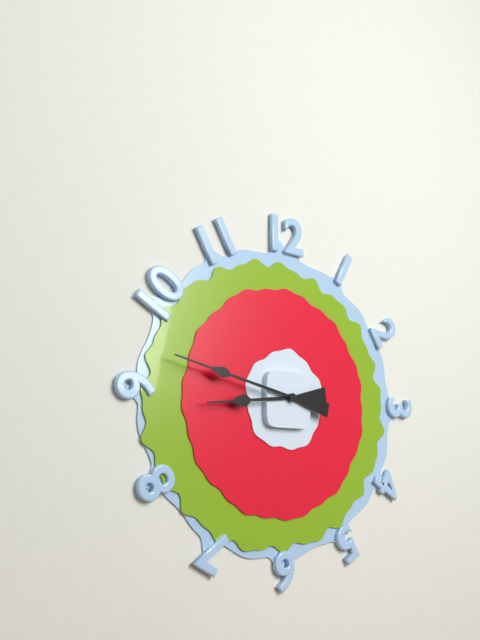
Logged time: 8 h 47 min
